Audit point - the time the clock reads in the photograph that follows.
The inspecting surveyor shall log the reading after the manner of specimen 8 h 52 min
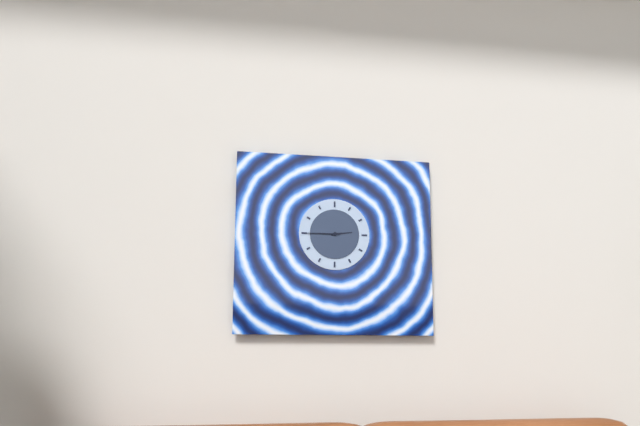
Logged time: 2 h 45 min
